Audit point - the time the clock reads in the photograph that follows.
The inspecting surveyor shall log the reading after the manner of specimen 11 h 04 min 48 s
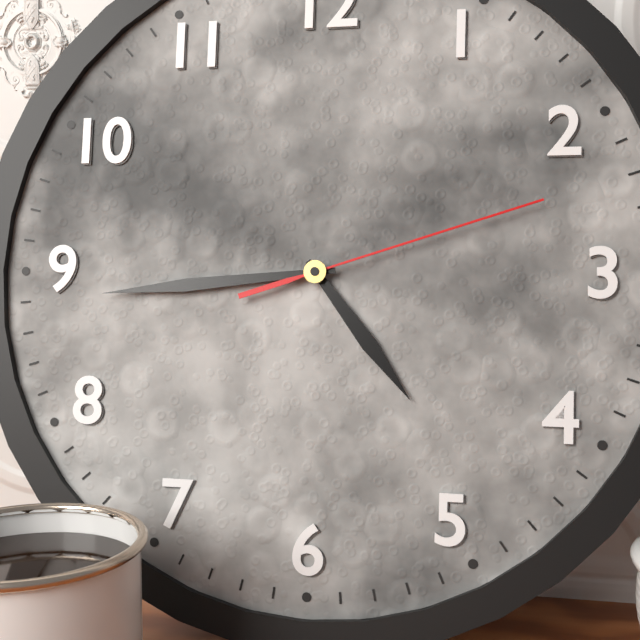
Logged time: 4 h 44 min 12 s
